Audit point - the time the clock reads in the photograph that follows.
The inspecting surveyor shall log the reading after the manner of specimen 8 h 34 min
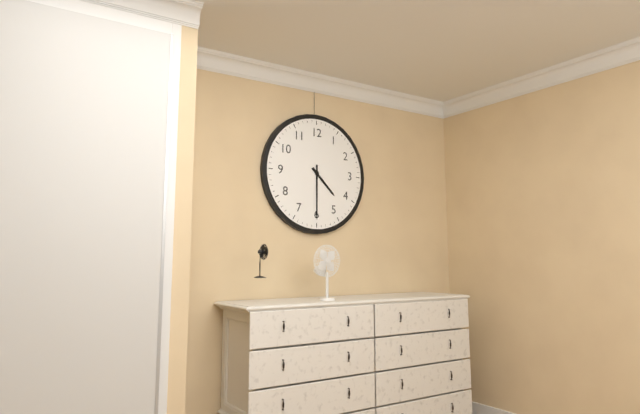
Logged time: 4 h 30 min
